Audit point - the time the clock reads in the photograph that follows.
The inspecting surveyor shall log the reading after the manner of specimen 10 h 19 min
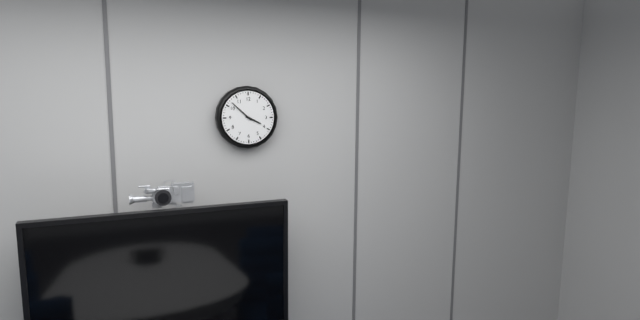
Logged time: 3 h 52 min
